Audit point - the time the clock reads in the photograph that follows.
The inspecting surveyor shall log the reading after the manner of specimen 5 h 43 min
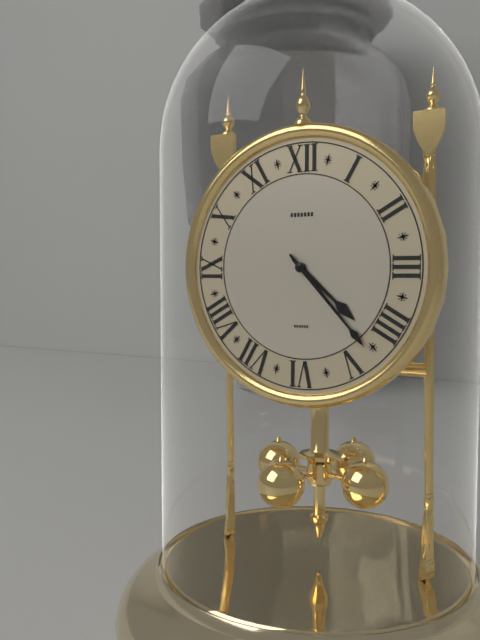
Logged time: 4 h 23 min
